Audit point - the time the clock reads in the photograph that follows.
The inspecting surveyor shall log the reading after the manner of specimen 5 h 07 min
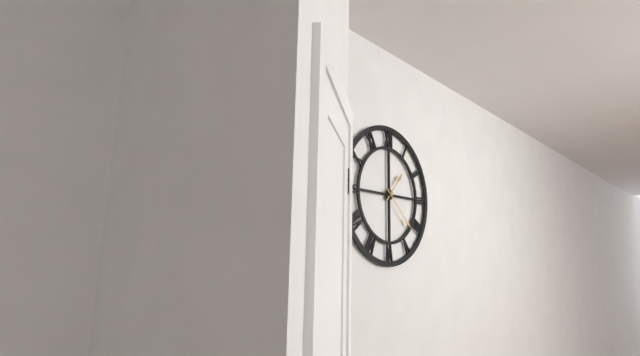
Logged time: 1 h 22 min
